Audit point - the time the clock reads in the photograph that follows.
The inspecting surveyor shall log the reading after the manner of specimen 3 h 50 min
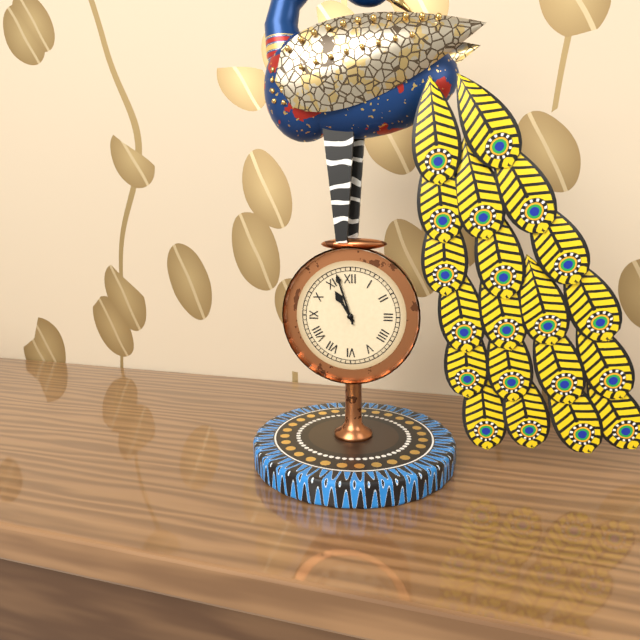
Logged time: 10 h 57 min
